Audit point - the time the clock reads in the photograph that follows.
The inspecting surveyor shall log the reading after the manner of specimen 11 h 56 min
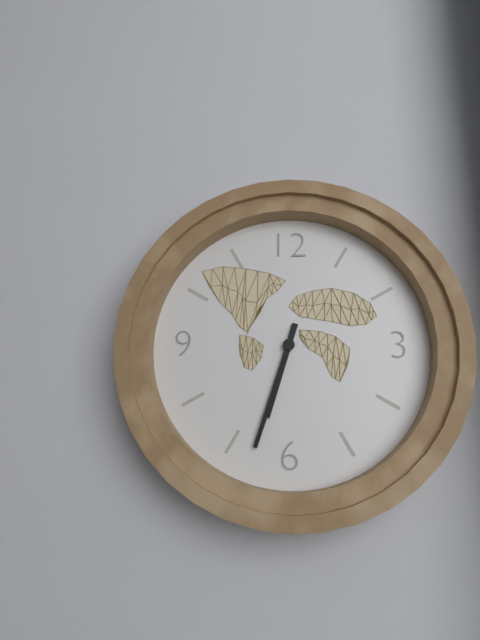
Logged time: 6 h 33 min
